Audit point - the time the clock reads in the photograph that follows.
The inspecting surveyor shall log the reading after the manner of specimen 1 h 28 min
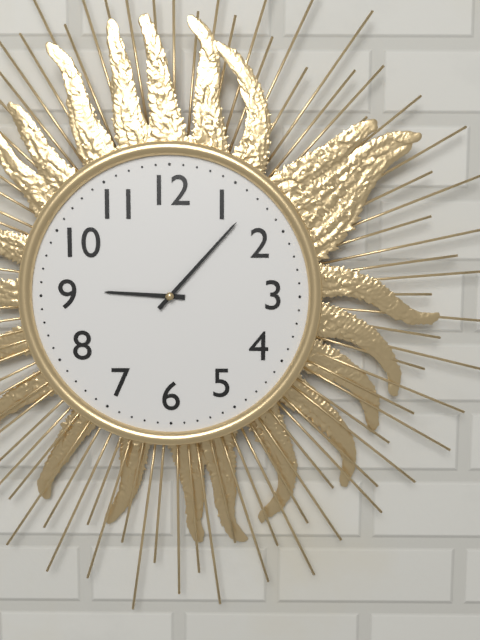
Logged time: 9 h 07 min
